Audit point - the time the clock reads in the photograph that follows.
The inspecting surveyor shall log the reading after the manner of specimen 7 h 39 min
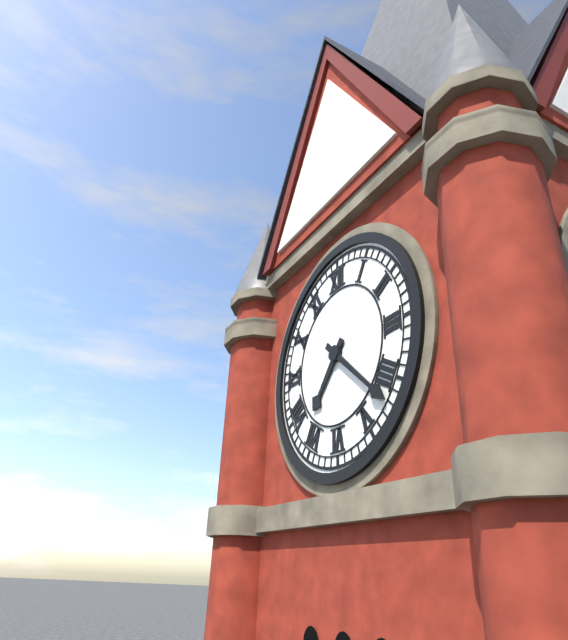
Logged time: 7 h 22 min
